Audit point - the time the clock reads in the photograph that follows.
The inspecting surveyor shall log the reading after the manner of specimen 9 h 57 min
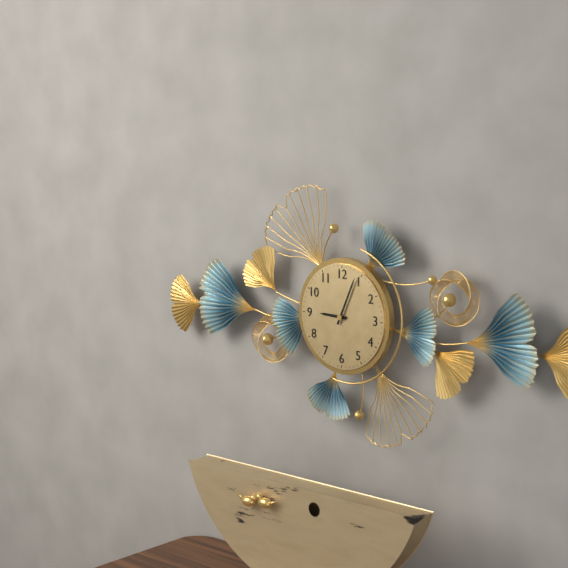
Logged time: 9 h 04 min
